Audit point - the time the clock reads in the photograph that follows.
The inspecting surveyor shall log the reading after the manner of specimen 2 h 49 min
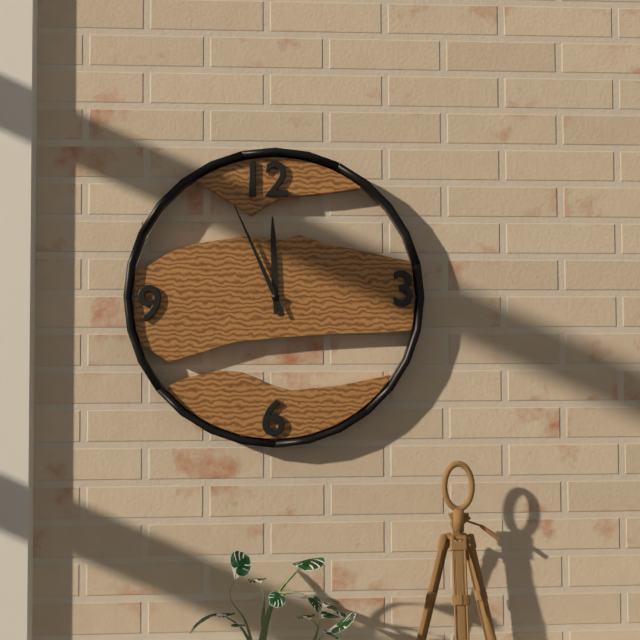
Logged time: 11 h 56 min
